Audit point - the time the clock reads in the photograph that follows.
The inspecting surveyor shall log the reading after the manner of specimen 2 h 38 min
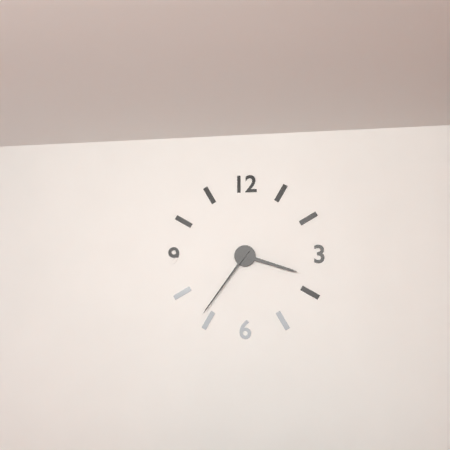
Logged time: 3 h 36 min
